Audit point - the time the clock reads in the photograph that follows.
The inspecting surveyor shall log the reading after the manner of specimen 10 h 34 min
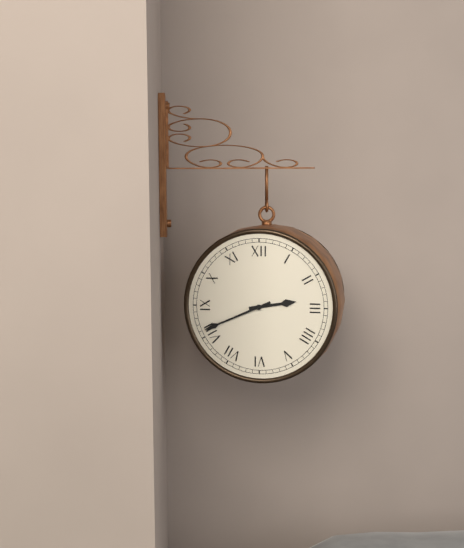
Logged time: 2 h 41 min
